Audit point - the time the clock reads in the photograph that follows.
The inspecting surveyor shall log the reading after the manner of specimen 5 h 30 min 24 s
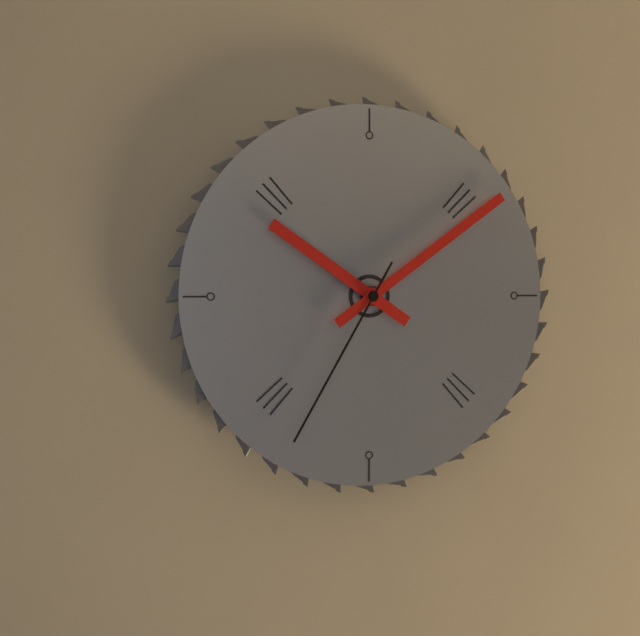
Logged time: 10 h 09 min 35 s
